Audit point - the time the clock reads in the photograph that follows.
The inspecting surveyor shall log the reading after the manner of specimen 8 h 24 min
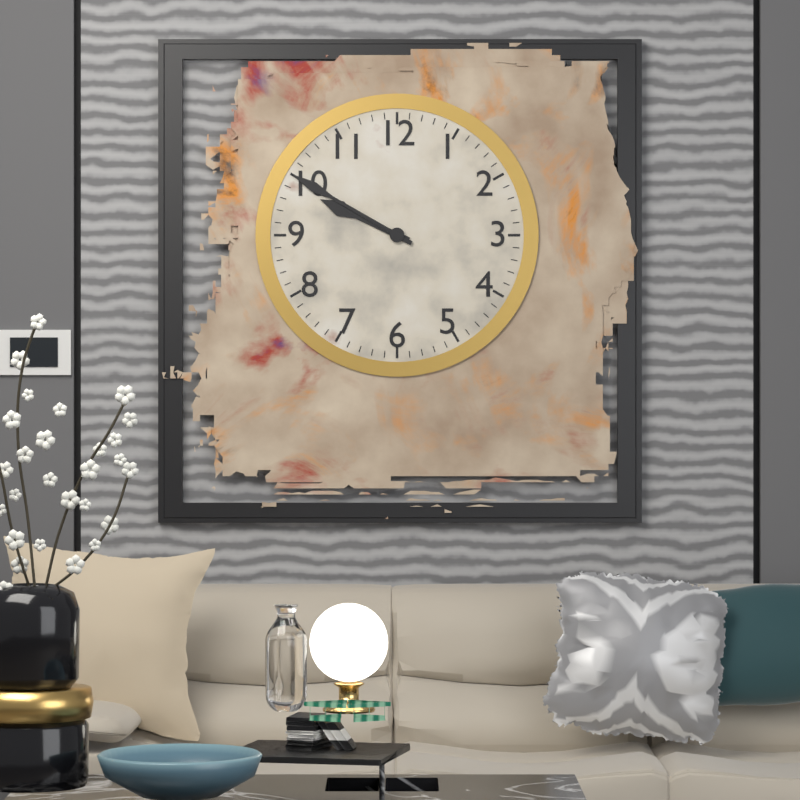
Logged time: 9 h 50 min
